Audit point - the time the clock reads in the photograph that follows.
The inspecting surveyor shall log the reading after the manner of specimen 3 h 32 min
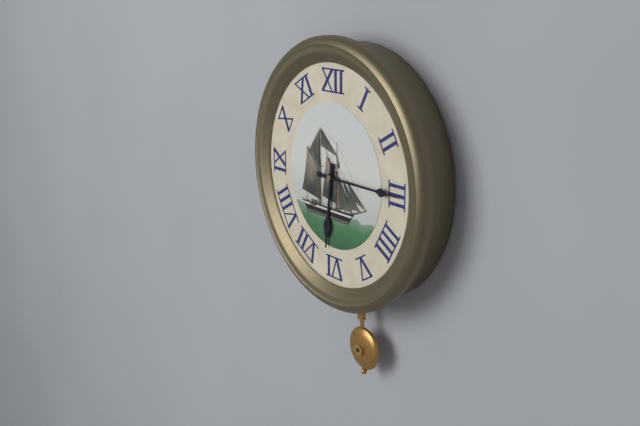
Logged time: 6 h 15 min
